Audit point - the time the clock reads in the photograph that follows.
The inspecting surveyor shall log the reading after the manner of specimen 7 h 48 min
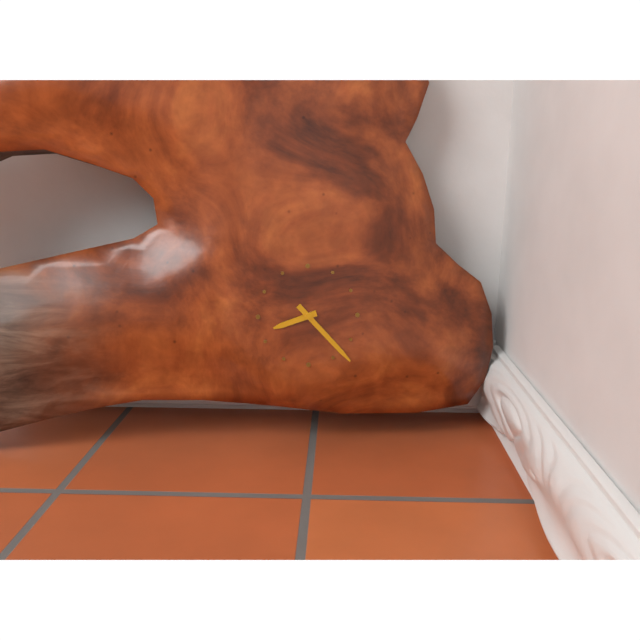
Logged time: 8 h 23 min
